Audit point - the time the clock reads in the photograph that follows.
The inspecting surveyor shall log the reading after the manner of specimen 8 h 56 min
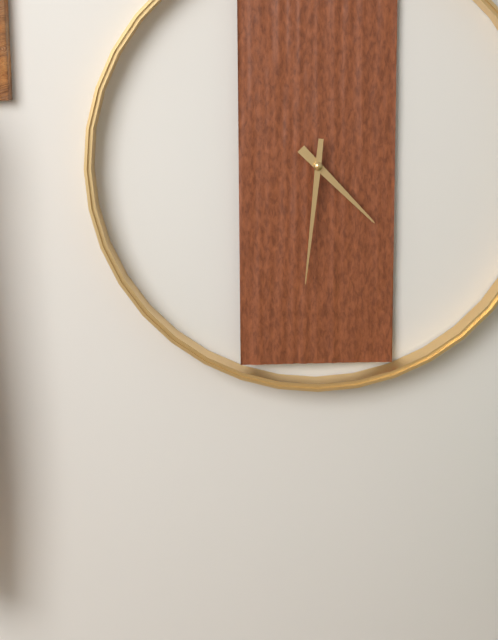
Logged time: 4 h 31 min
